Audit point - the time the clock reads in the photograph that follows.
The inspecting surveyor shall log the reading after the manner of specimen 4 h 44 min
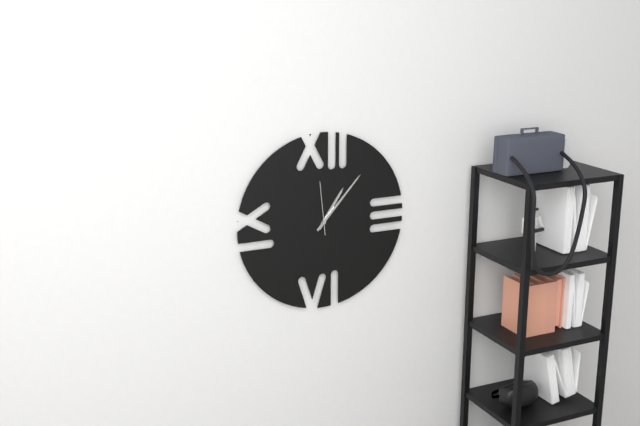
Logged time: 1 h 07 min
